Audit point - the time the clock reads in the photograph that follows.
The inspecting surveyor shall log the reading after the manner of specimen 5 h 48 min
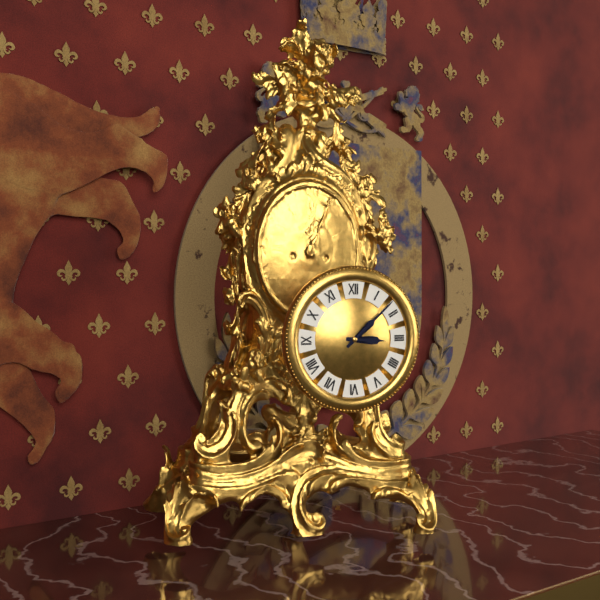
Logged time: 3 h 08 min
